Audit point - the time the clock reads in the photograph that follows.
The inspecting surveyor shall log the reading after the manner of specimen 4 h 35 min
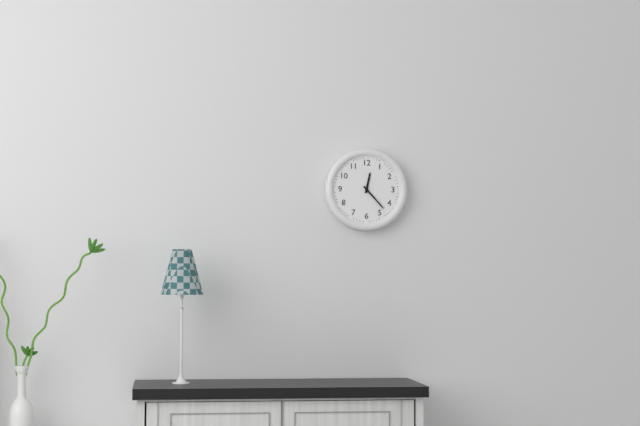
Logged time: 12 h 23 min
